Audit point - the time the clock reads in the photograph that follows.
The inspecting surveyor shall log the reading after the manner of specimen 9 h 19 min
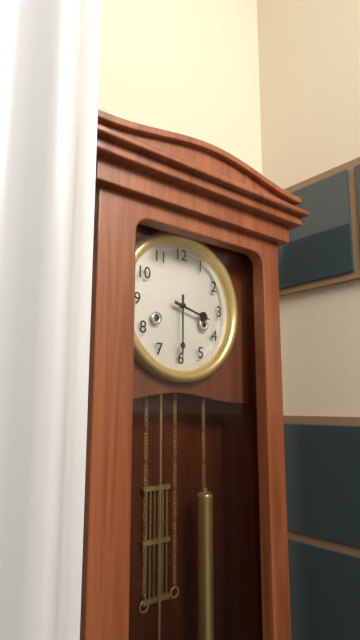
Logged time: 3 h 30 min
